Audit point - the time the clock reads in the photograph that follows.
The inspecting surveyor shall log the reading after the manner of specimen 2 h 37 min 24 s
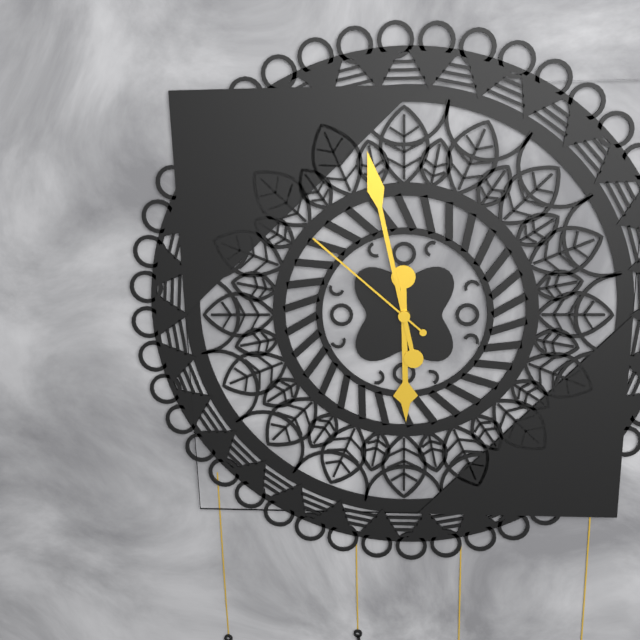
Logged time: 5 h 58 min 52 s
